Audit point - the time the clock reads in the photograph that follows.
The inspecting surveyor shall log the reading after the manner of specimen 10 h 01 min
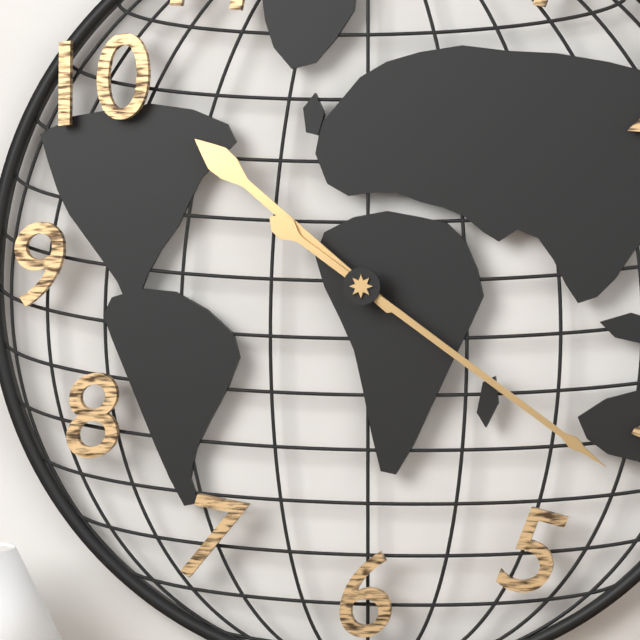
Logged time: 10 h 21 min
